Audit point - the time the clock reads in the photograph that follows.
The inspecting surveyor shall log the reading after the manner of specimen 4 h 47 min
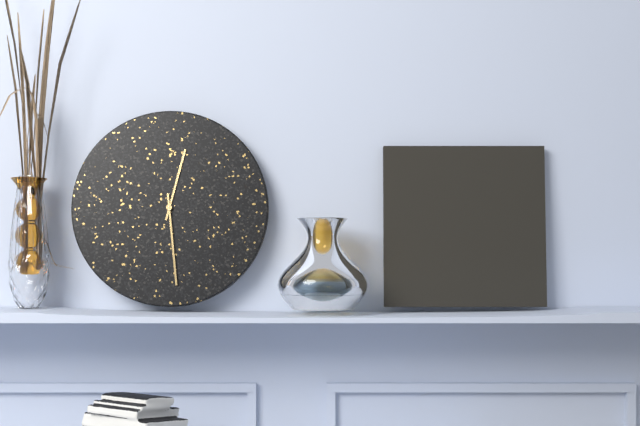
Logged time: 12 h 29 min
